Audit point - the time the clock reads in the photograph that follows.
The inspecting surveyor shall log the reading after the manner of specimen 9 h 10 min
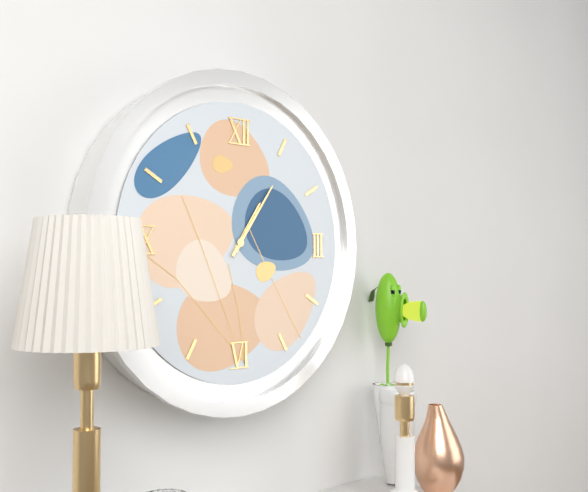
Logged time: 1 h 06 min
